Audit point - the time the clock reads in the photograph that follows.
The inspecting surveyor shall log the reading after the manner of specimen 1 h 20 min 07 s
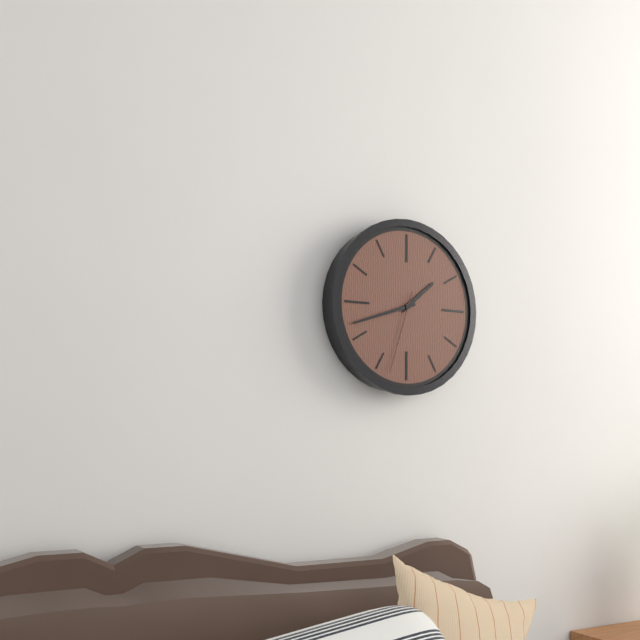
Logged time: 1 h 42 min 33 s
